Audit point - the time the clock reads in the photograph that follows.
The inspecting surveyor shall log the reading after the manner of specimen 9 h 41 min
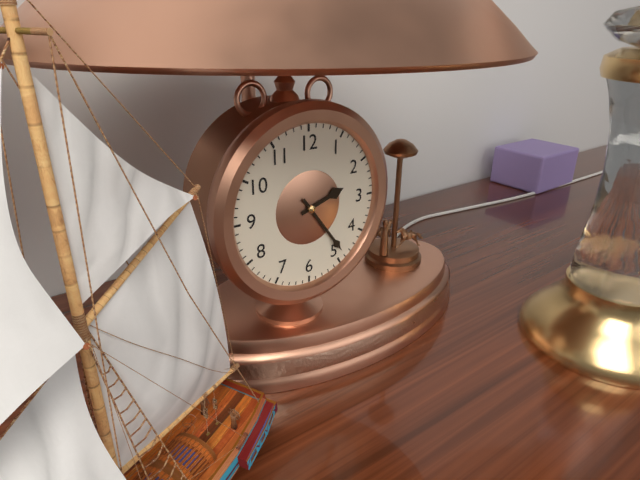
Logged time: 2 h 24 min
